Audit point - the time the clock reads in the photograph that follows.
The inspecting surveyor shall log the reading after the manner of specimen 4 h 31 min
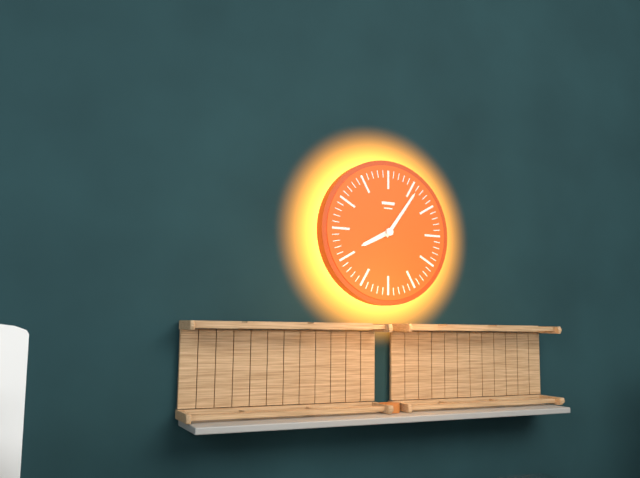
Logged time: 8 h 06 min
